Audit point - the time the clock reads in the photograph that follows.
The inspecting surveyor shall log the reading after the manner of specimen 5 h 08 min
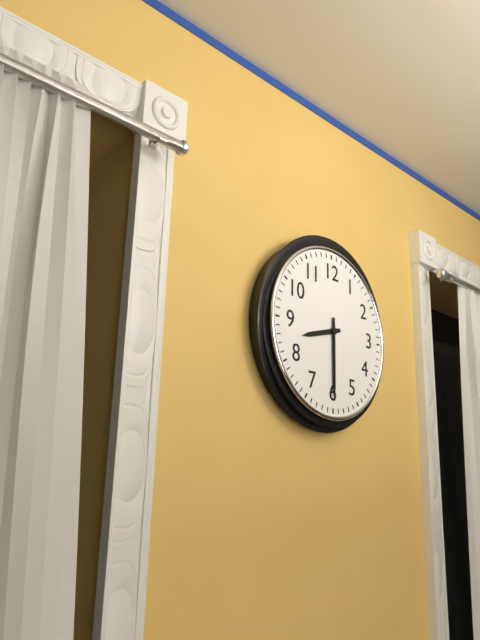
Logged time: 8 h 30 min
